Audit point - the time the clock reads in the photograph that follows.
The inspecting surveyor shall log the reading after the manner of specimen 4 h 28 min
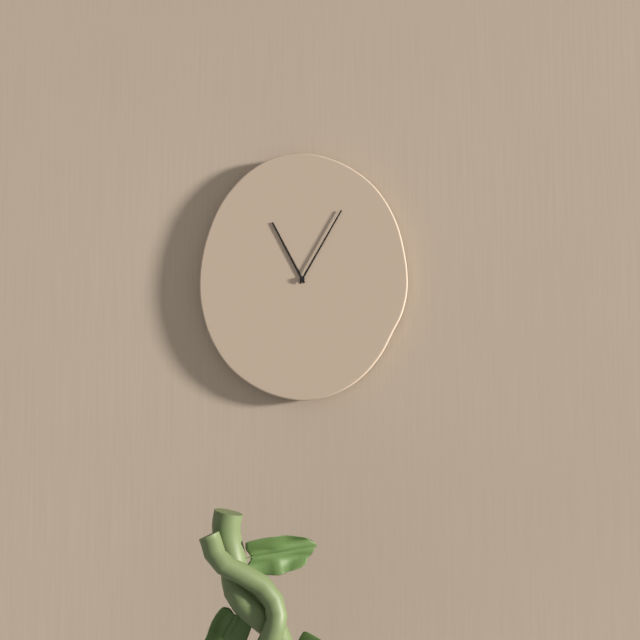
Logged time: 11 h 05 min
